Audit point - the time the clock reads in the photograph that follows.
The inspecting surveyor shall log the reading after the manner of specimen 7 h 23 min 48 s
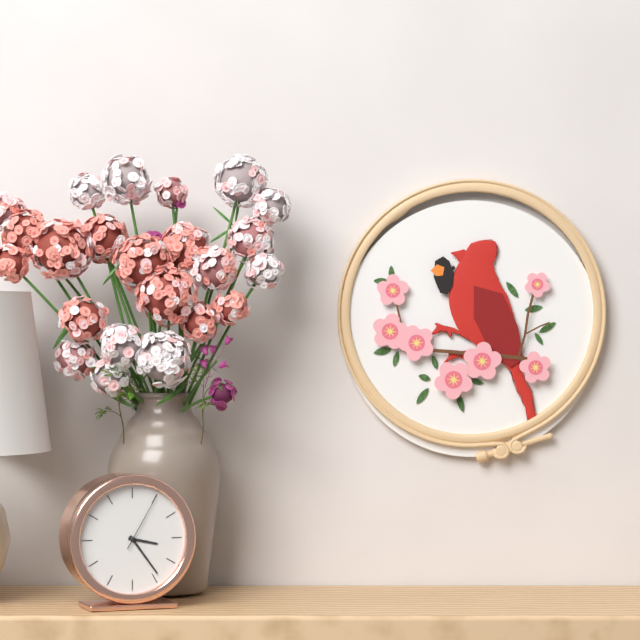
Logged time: 3 h 24 min 05 s
